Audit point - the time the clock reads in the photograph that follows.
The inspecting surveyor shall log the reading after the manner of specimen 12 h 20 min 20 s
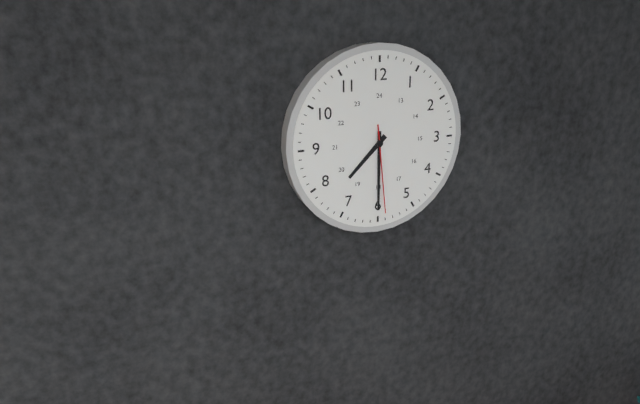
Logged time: 7 h 30 min 29 s
